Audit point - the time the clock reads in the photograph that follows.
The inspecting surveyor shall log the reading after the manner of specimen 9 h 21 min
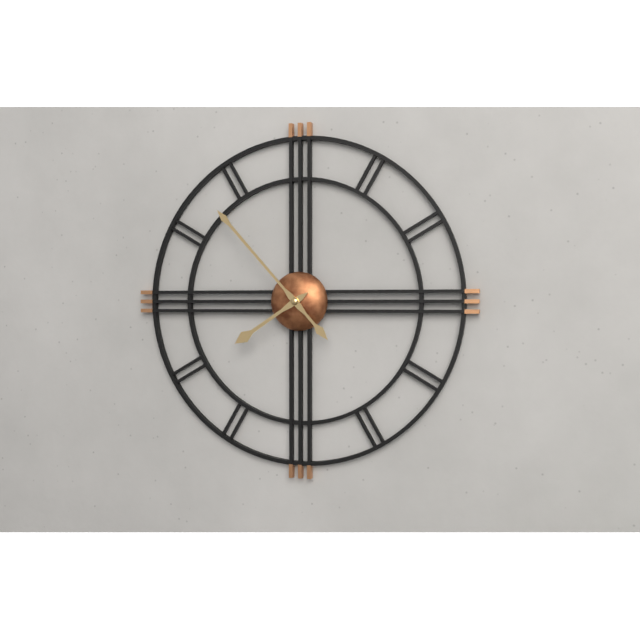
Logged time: 7 h 53 min
